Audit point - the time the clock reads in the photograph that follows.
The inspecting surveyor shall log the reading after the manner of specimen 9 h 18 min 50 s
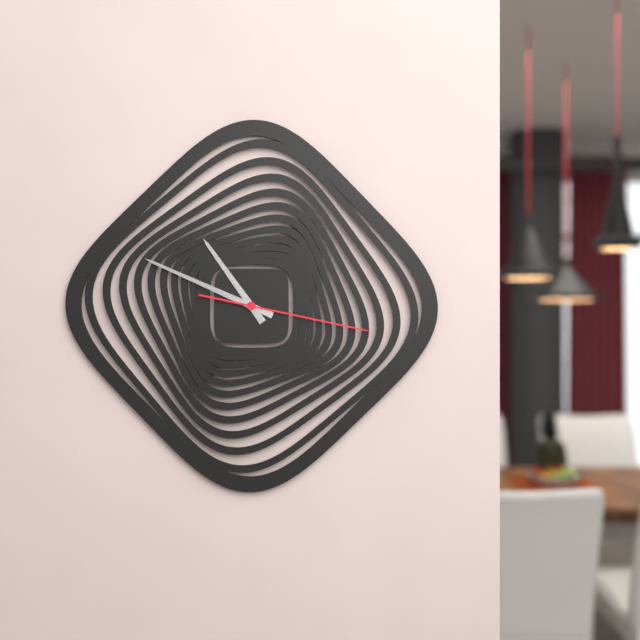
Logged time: 10 h 49 min 17 s
